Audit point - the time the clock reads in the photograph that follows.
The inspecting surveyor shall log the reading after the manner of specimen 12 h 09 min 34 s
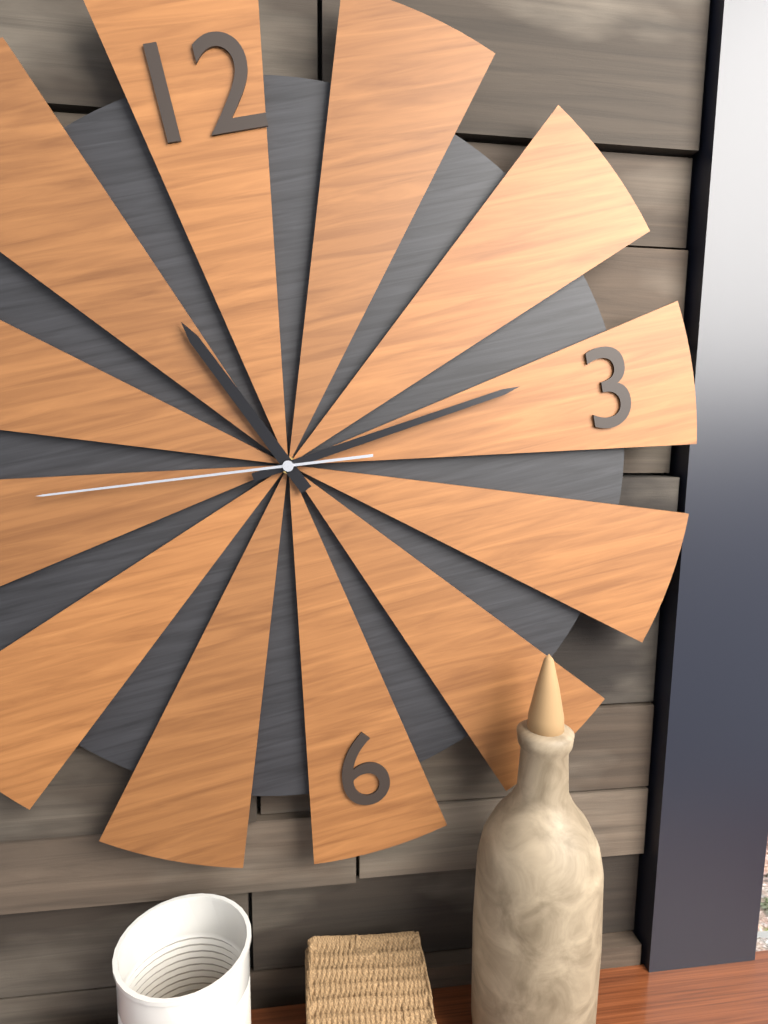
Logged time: 11 h 14 min 46 s
